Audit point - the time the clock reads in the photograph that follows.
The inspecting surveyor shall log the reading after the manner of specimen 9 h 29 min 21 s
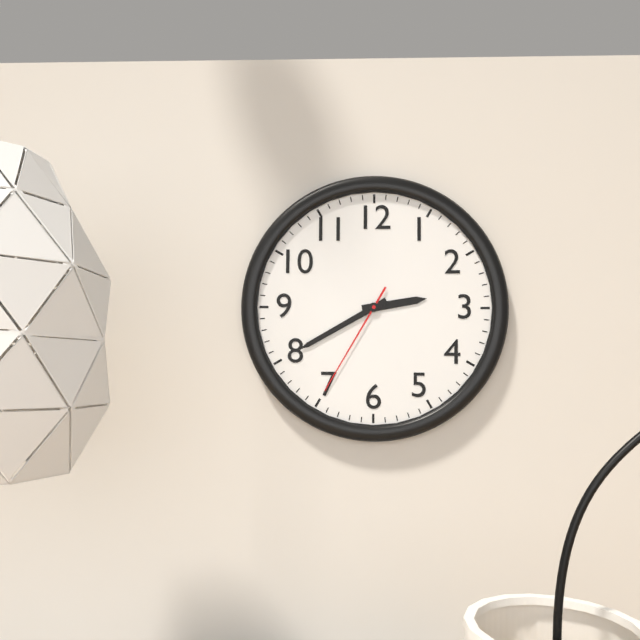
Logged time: 2 h 40 min 35 s
